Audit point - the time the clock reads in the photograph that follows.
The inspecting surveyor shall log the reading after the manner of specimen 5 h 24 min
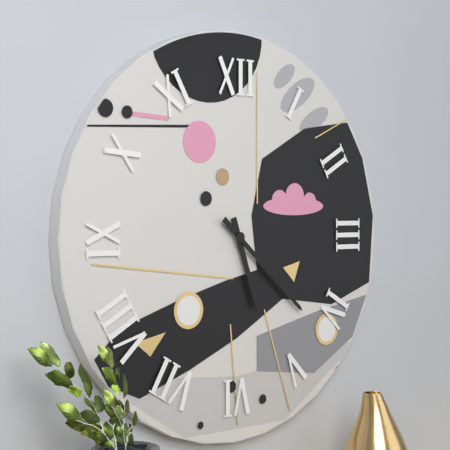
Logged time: 5 h 22 min
